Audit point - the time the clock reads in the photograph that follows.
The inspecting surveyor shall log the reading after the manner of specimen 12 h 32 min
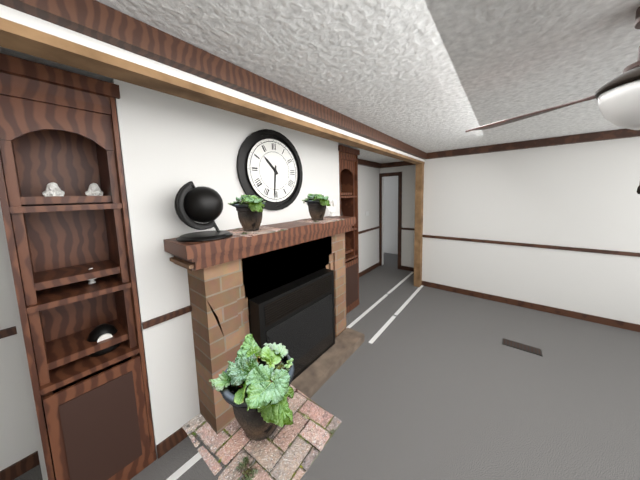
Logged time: 10 h 31 min
